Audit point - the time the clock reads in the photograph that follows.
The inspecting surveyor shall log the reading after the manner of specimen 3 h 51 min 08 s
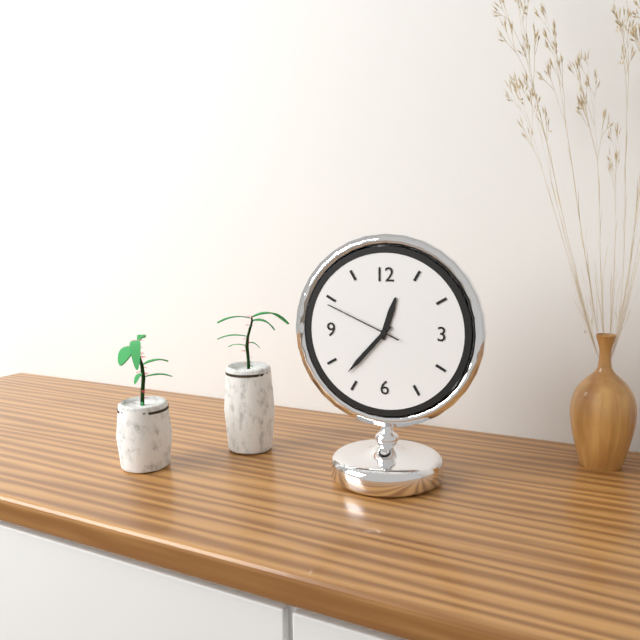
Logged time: 12 h 37 min 49 s
